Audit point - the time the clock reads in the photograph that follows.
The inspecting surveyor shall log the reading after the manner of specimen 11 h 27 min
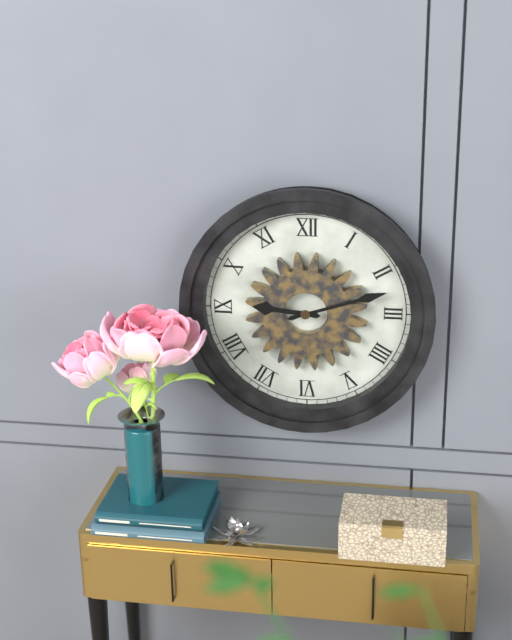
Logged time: 9 h 12 min
